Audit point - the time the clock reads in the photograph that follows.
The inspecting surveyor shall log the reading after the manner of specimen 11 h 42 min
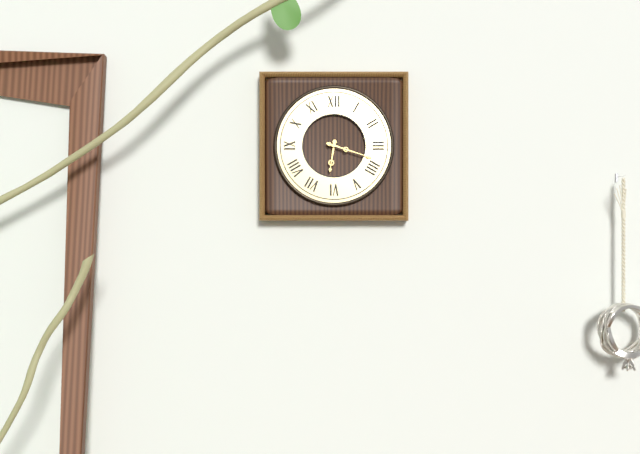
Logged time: 6 h 18 min
